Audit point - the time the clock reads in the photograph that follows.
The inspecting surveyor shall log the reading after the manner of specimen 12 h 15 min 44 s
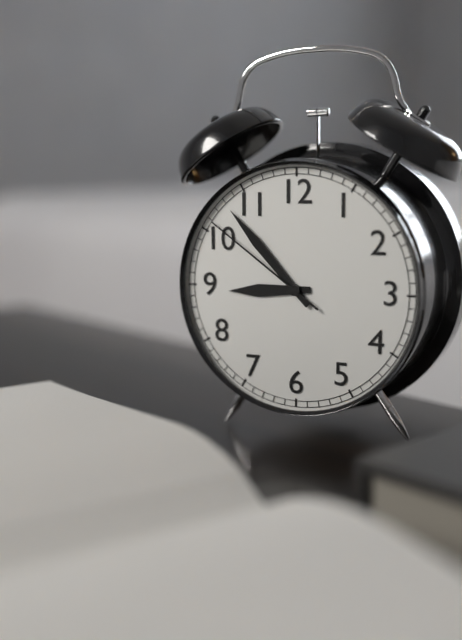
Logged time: 8 h 53 min 51 s
